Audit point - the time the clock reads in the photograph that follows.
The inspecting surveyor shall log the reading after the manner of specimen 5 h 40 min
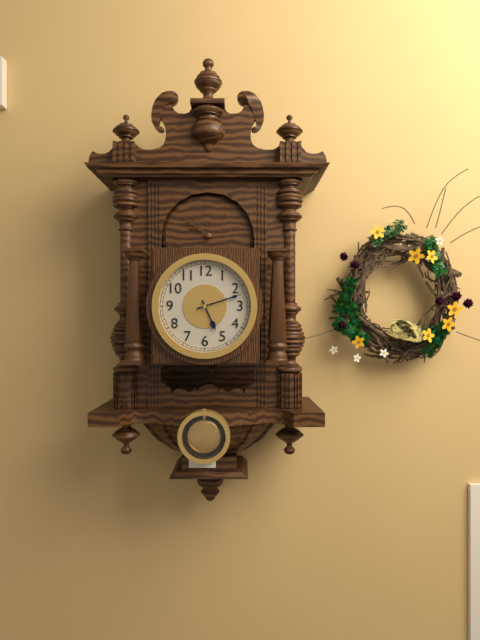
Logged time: 5 h 12 min
